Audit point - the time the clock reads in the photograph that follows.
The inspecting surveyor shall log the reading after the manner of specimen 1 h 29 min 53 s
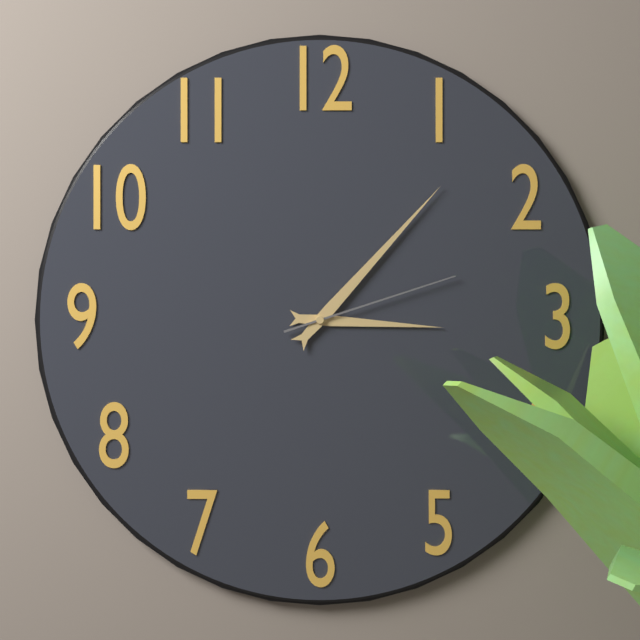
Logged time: 3 h 07 min 12 s
